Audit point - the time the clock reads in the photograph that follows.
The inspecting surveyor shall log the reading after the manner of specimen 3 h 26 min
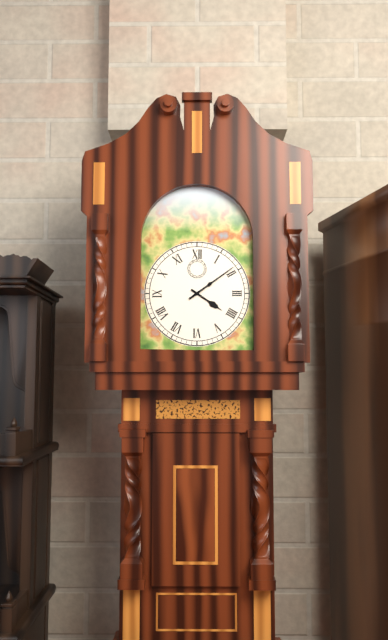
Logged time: 4 h 09 min
